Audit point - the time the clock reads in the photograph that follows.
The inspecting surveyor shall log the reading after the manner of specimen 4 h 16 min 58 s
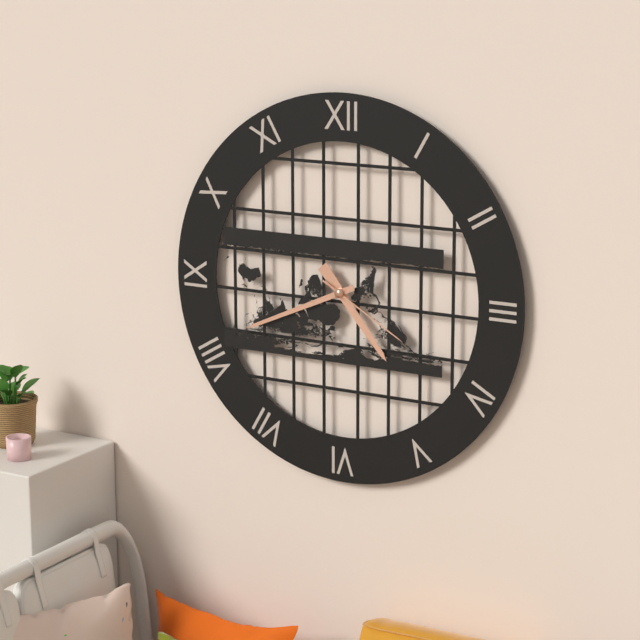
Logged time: 4 h 41 min 20 s
